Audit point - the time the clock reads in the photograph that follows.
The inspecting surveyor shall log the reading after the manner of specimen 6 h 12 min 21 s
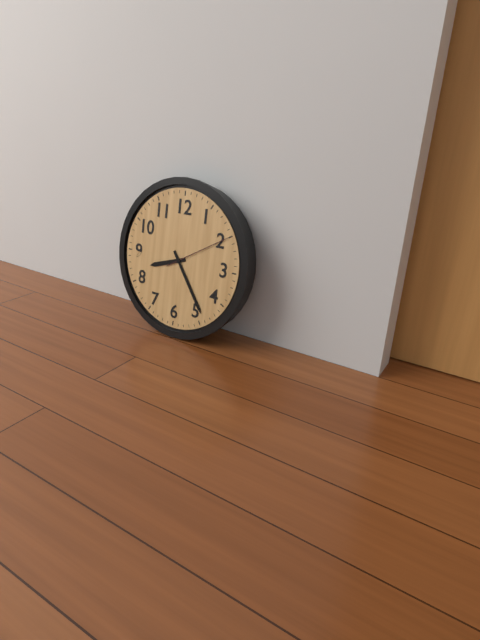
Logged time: 8 h 24 min 10 s
